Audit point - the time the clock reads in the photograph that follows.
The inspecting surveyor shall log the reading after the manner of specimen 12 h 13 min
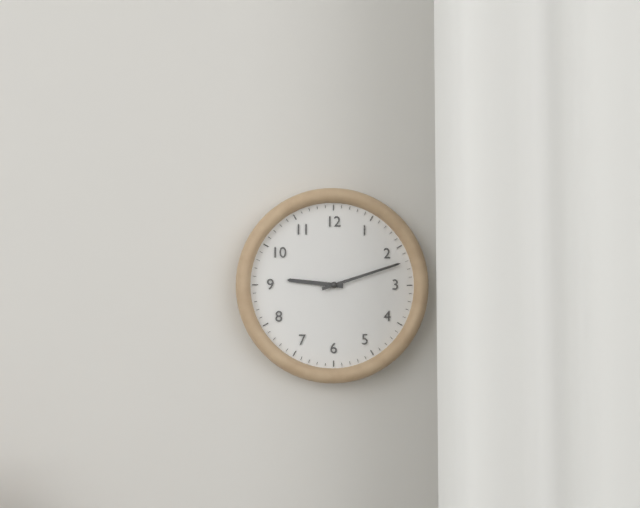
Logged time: 9 h 12 min
